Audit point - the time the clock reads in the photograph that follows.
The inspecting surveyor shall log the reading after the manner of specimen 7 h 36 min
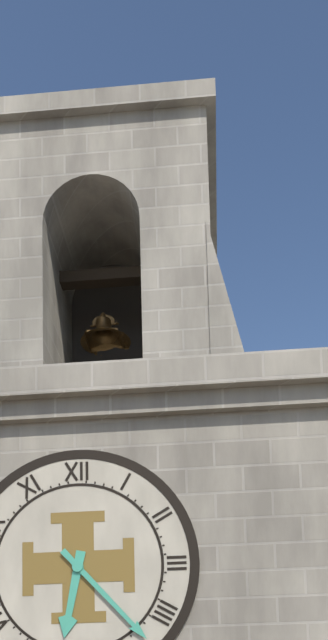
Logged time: 6 h 23 min
